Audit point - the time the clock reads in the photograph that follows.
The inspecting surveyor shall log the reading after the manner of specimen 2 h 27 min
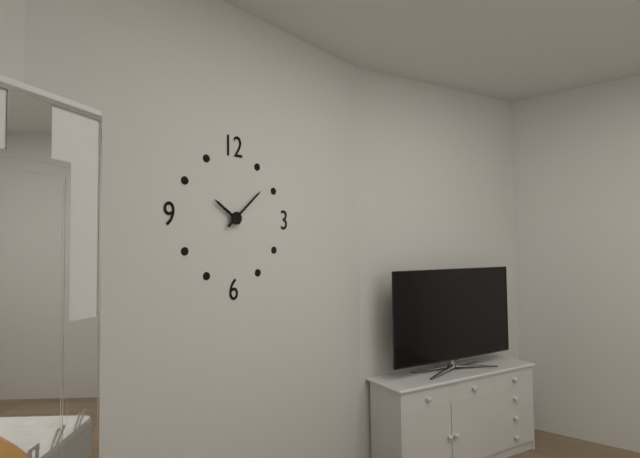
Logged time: 10 h 08 min
